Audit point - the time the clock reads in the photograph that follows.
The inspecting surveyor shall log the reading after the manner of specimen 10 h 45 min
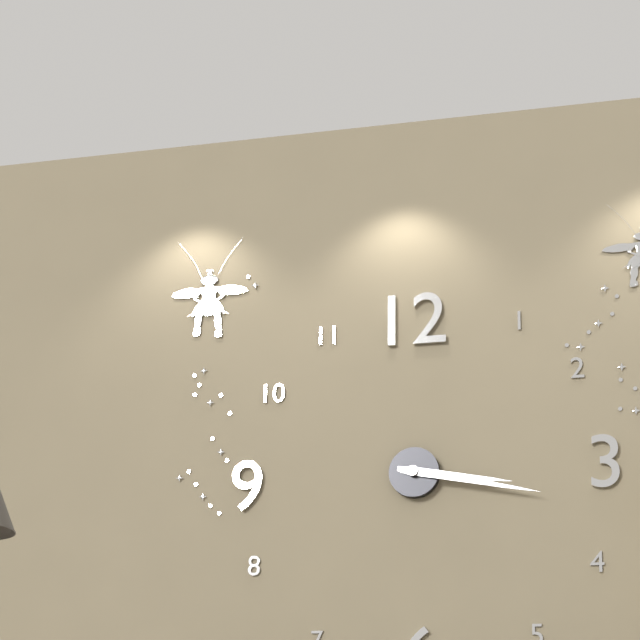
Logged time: 3 h 17 min
